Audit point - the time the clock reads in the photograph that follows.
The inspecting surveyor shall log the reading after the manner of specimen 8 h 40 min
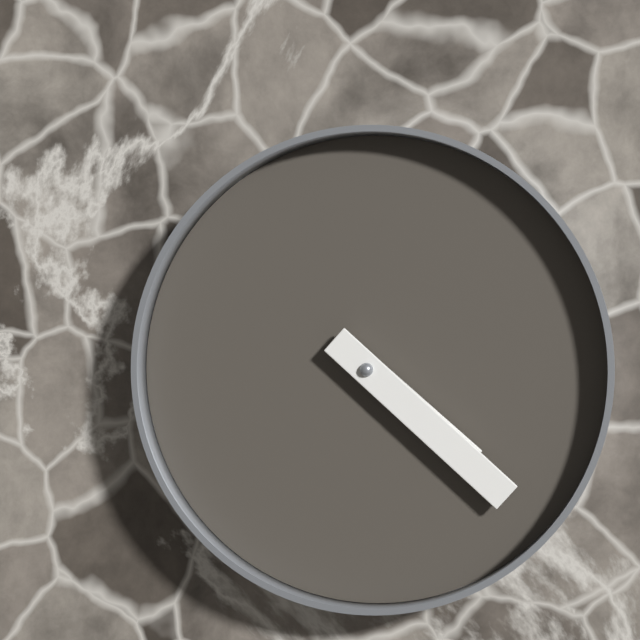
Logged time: 4 h 22 min
